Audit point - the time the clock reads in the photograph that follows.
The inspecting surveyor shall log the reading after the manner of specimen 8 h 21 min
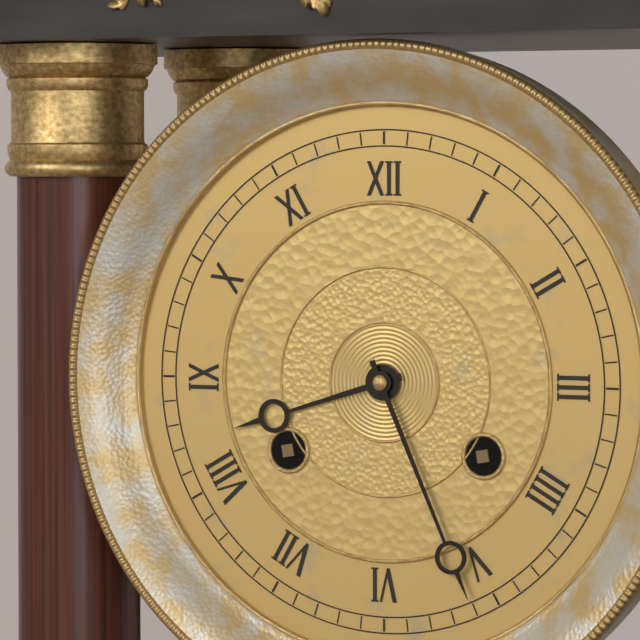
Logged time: 8 h 26 min
